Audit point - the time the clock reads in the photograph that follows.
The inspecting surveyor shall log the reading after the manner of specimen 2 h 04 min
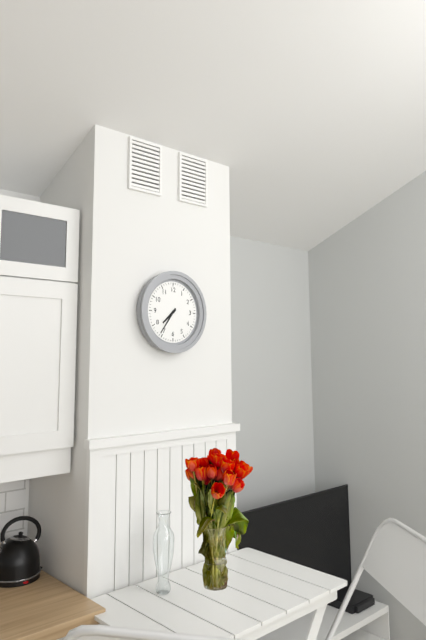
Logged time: 7 h 36 min
